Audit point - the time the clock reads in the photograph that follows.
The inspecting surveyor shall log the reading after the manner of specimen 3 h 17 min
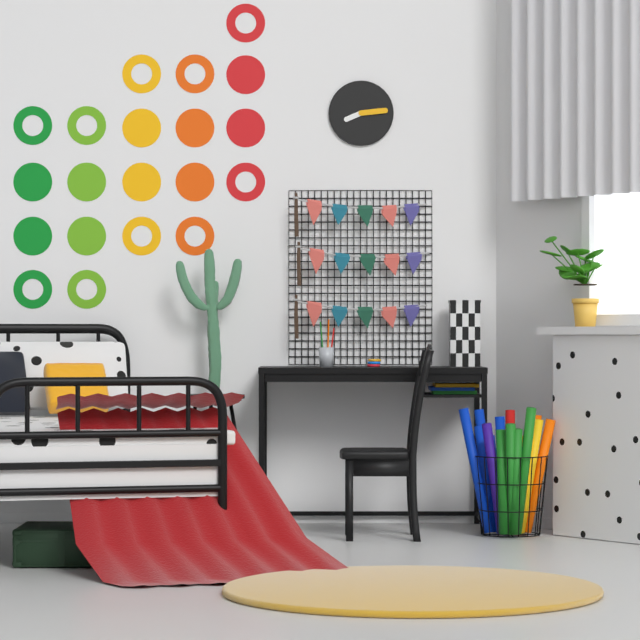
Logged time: 8 h 14 min
